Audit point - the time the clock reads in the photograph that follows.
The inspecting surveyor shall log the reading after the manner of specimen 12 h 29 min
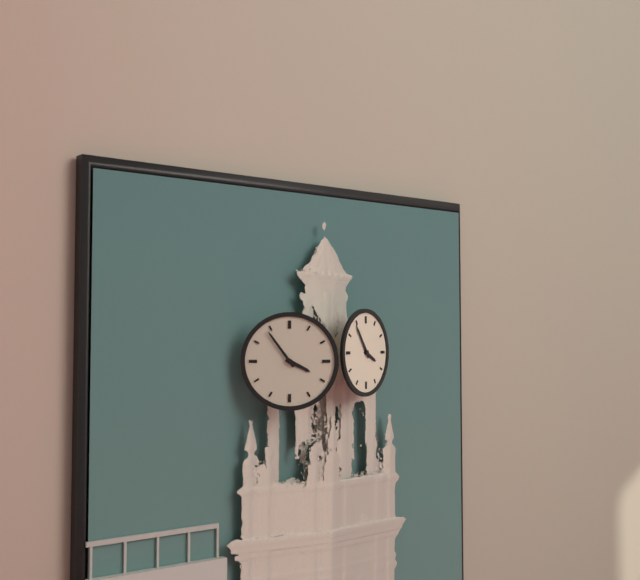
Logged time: 3 h 54 min
